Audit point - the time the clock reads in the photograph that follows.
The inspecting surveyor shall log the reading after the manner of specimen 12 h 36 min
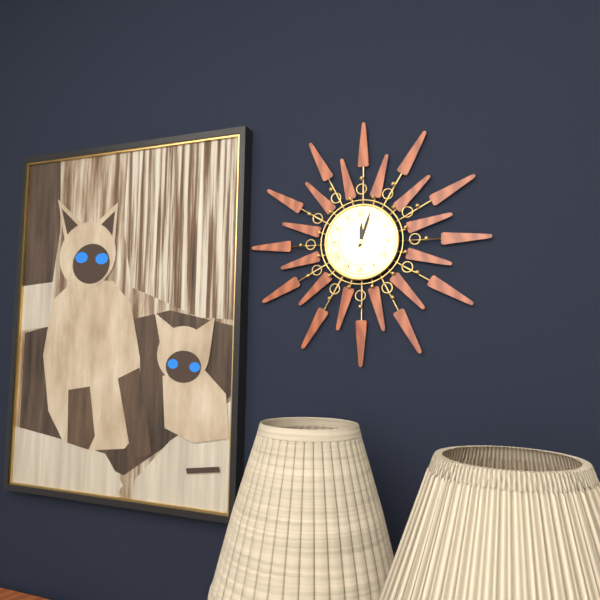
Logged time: 12 h 03 min
